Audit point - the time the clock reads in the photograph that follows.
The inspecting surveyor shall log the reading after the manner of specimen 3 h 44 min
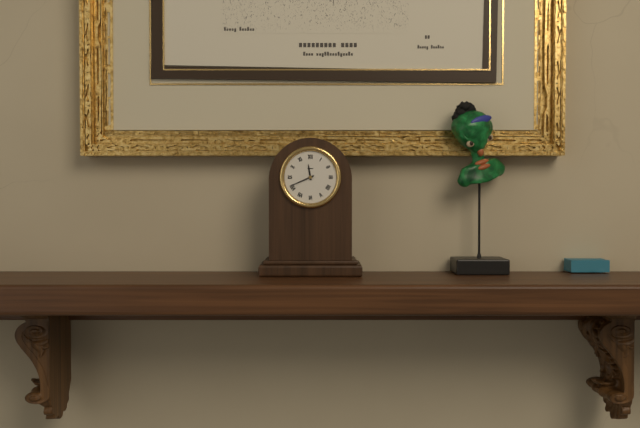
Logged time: 11 h 41 min
